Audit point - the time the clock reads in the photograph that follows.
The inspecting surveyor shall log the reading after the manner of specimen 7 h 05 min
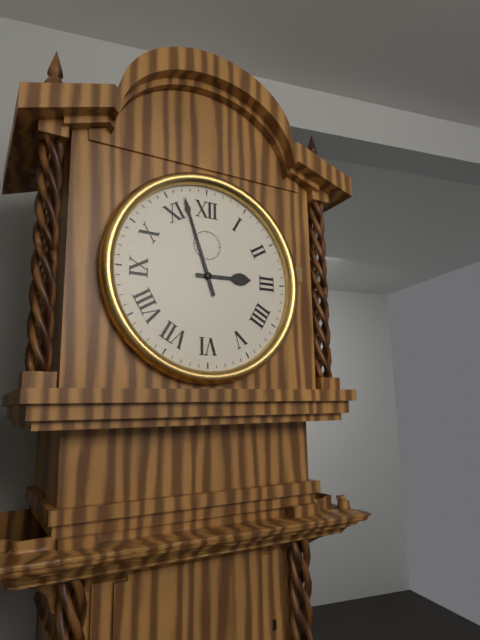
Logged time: 2 h 57 min
